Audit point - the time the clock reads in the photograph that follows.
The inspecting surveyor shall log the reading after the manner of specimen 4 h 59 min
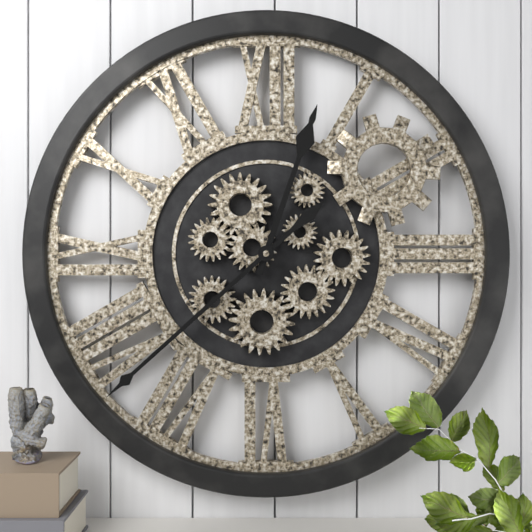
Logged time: 12 h 38 min
